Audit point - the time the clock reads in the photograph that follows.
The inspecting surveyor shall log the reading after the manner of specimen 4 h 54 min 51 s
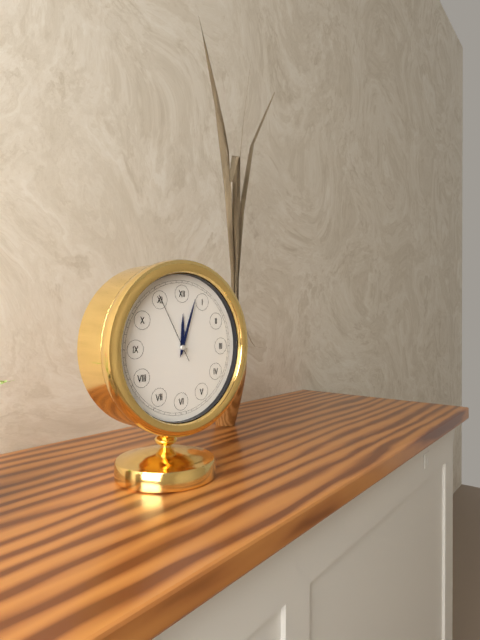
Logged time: 12 h 03 min 55 s
